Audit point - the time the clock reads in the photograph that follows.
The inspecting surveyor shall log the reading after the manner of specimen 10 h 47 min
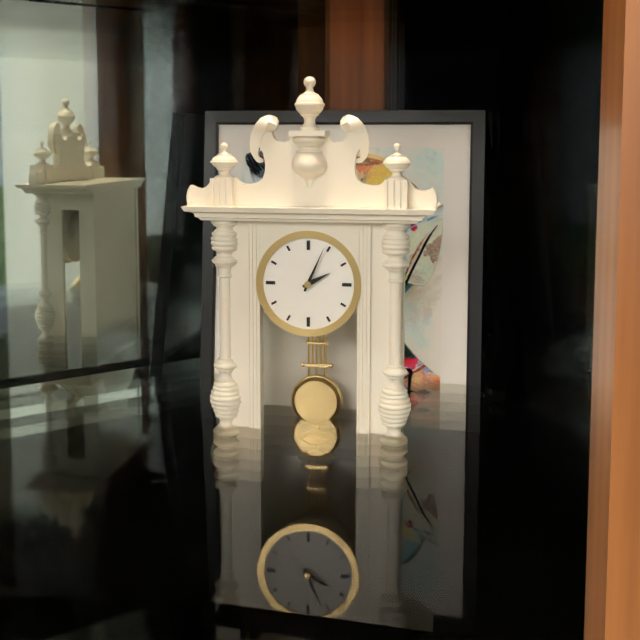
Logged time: 2 h 04 min
